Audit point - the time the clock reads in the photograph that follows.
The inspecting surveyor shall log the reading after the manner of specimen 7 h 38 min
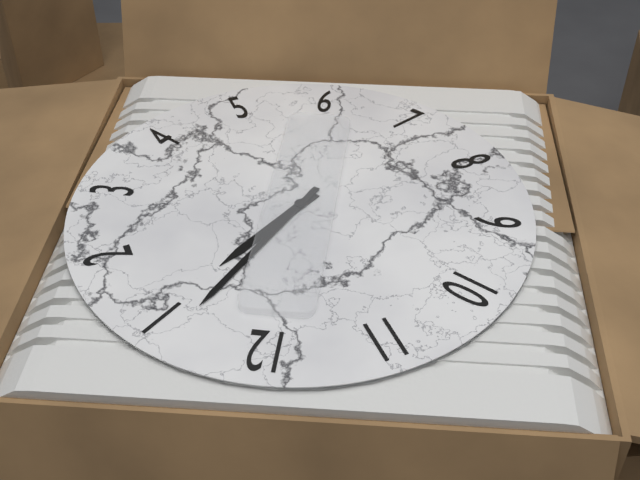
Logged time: 1 h 04 min
